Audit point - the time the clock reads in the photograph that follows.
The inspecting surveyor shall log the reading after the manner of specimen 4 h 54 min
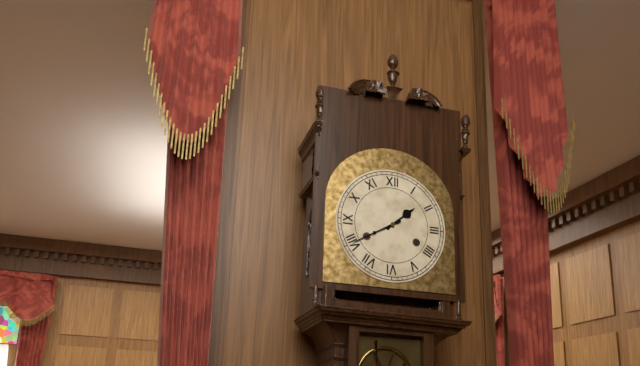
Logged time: 1 h 40 min
